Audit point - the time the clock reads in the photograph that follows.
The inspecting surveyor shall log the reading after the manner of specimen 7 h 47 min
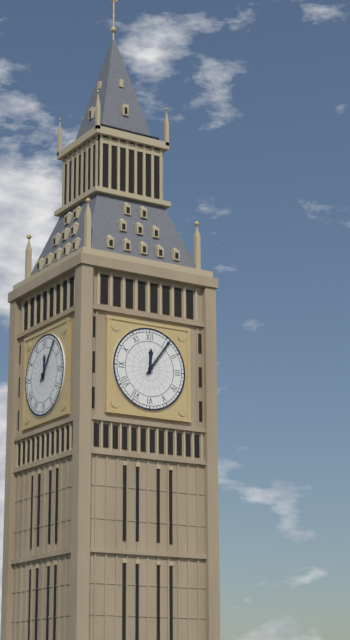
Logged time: 12 h 06 min
